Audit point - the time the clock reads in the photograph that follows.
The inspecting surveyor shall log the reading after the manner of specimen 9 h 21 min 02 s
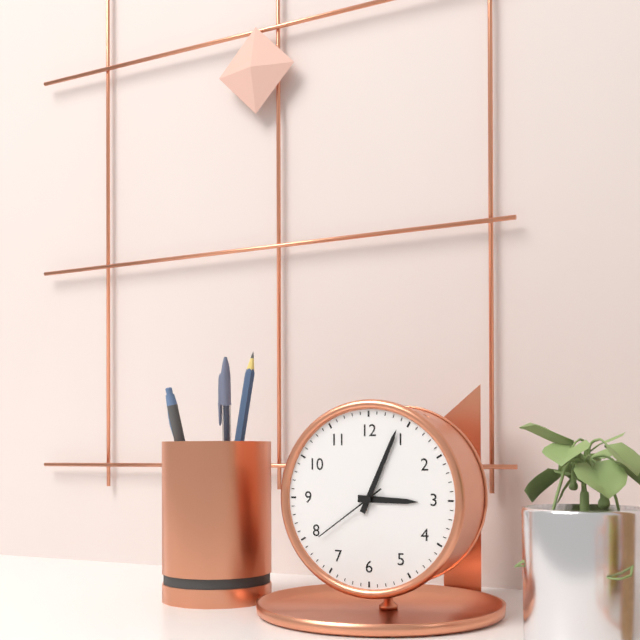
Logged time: 3 h 04 min 39 s
